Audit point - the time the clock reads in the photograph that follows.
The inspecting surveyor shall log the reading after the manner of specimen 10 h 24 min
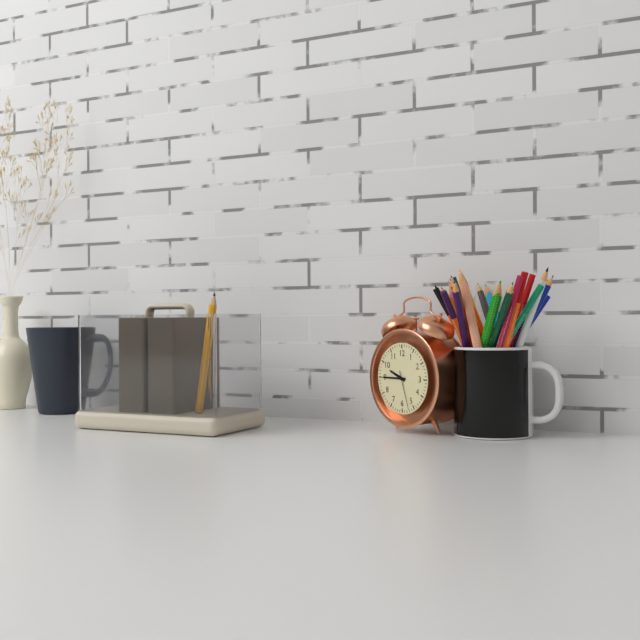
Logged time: 9 h 45 min
